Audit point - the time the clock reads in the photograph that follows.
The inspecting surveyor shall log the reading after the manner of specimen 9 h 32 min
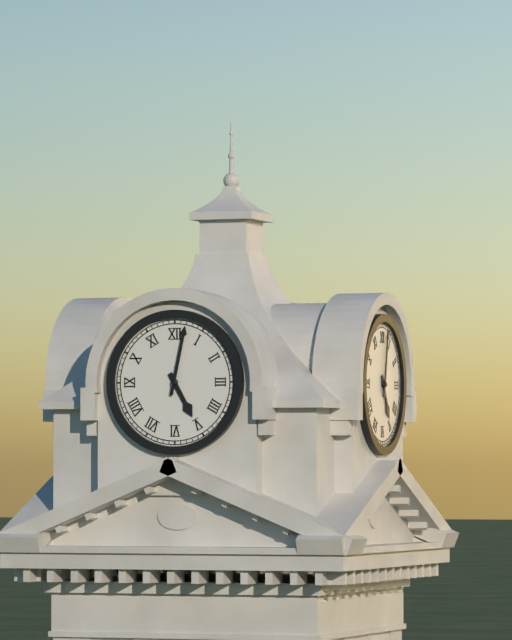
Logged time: 5 h 02 min
